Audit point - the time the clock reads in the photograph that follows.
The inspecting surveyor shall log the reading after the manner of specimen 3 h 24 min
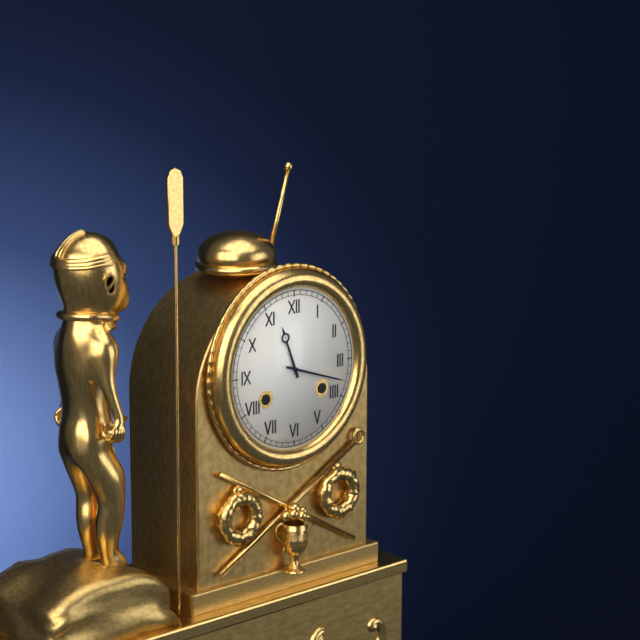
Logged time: 11 h 18 min
